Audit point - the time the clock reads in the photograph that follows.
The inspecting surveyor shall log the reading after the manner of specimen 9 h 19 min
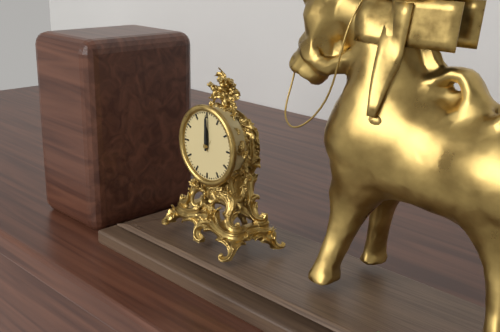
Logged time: 12 h 00 min
